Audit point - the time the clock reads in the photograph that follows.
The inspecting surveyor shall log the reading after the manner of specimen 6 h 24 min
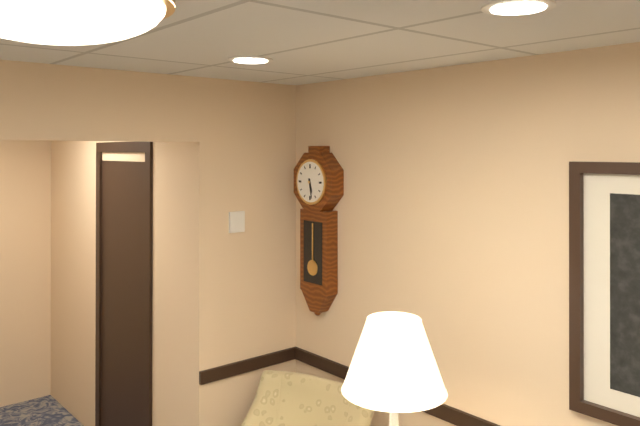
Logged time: 5 h 28 min
